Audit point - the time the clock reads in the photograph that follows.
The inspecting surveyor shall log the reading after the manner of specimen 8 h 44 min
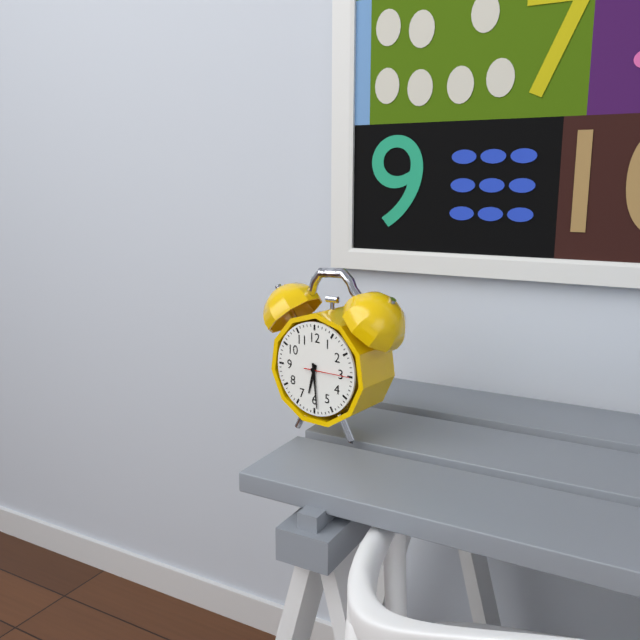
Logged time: 6 h 29 min
